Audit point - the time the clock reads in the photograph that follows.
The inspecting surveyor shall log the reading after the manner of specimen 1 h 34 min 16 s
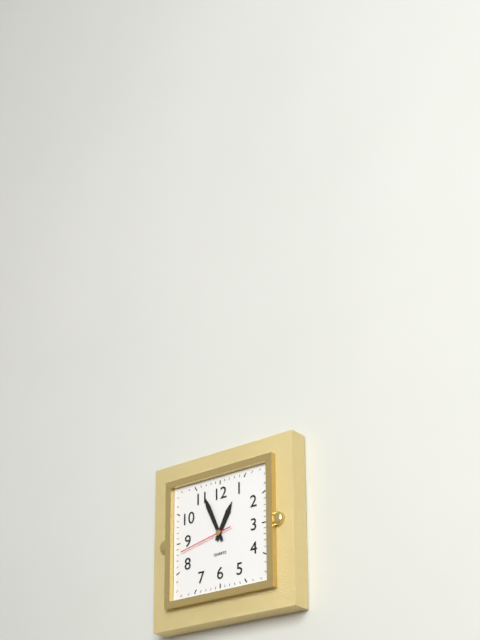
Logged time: 12 h 56 min 43 s
